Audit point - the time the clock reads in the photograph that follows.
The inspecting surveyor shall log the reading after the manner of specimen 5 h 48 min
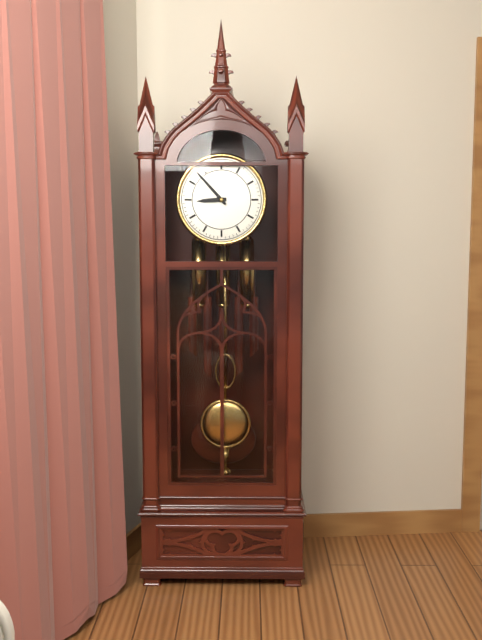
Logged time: 8 h 53 min
